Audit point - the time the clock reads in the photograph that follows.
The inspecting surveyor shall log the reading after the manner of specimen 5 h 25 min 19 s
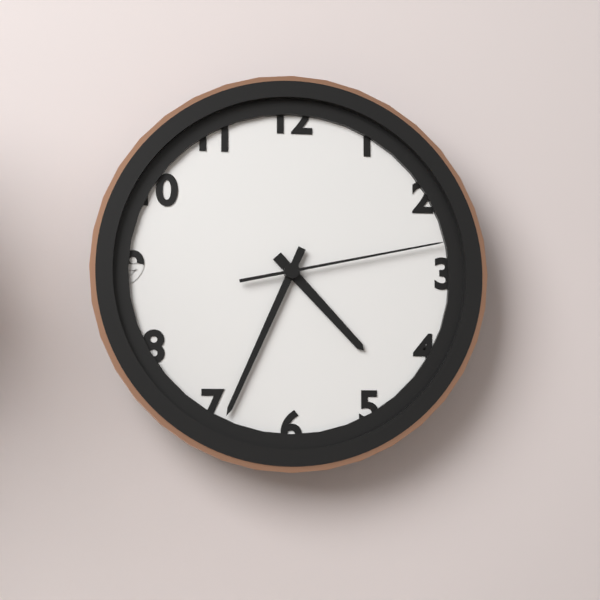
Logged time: 4 h 34 min 13 s
